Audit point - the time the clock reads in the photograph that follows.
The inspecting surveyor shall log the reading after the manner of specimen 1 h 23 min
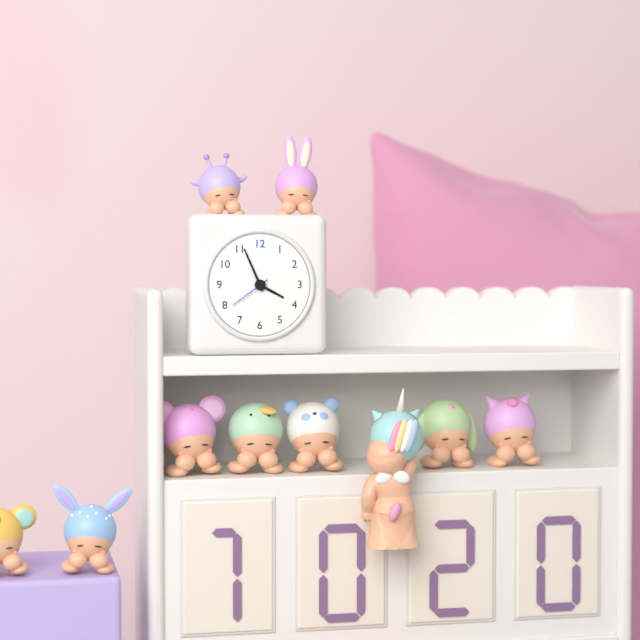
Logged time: 3 h 56 min
